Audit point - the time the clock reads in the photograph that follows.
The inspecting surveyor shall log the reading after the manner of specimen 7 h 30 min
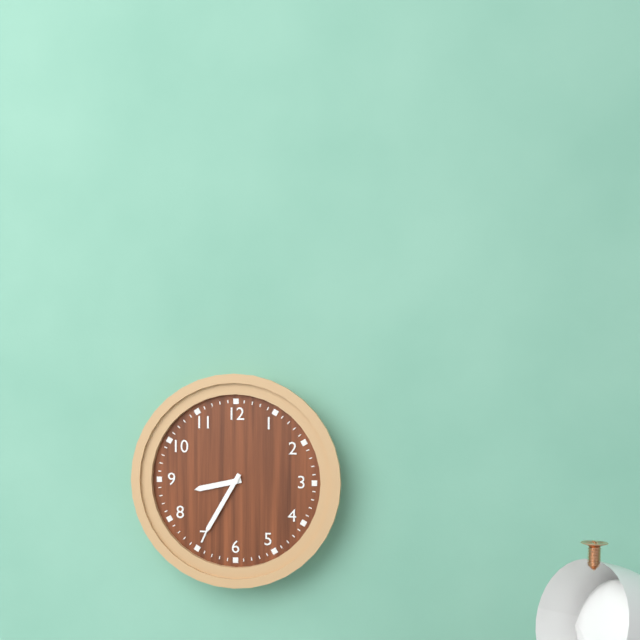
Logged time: 8 h 35 min
